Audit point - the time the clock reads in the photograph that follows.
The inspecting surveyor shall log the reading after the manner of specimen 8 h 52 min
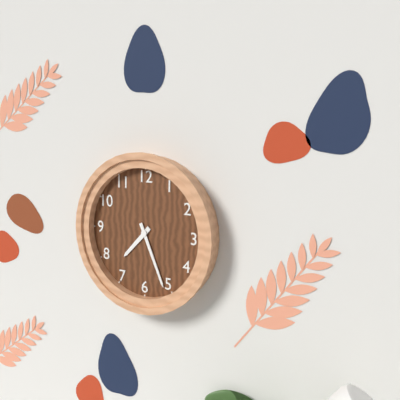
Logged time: 7 h 26 min
